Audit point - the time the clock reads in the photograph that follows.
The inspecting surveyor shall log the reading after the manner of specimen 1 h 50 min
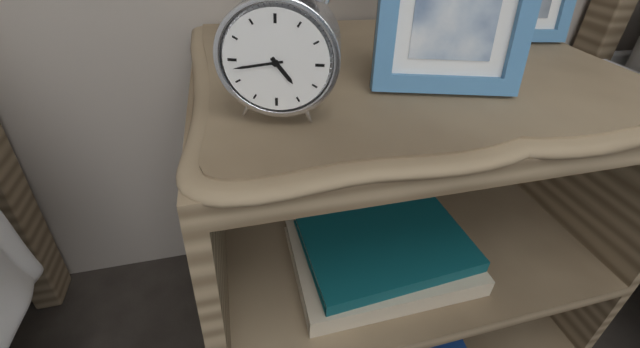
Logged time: 4 h 43 min
